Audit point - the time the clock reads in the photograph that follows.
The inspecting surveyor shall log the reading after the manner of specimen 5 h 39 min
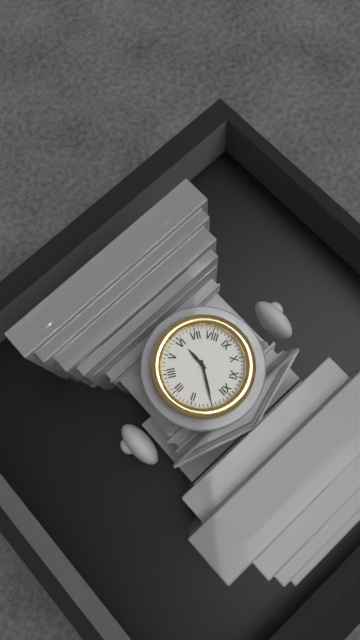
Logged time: 6 h 05 min
